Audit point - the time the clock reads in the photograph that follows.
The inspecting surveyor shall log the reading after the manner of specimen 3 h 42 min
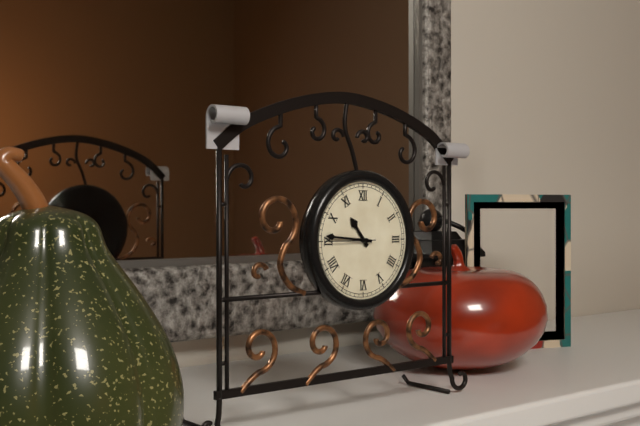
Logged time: 10 h 46 min
